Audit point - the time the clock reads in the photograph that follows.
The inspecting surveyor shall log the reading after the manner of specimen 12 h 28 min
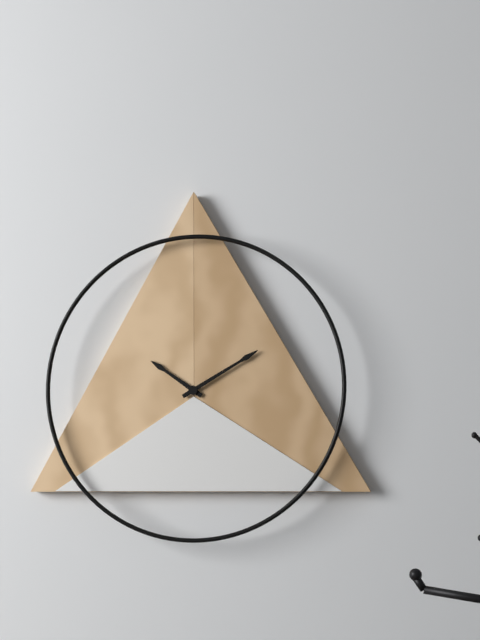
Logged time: 10 h 10 min
